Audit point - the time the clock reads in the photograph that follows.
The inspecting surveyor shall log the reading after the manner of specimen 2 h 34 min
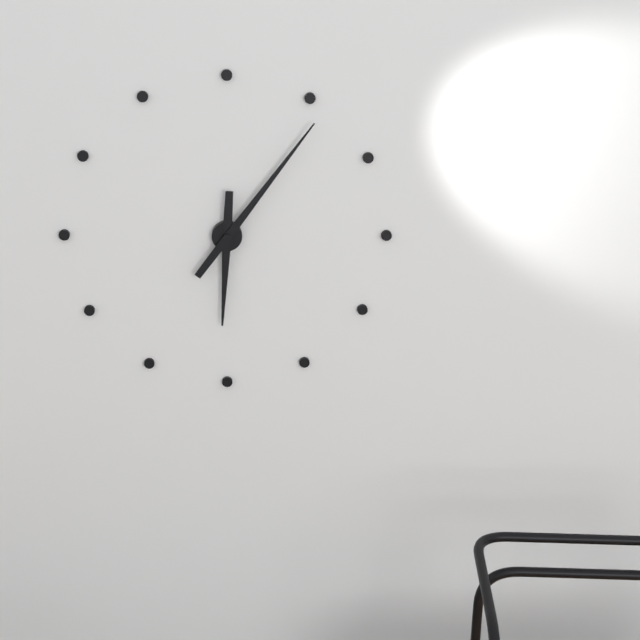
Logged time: 6 h 06 min
